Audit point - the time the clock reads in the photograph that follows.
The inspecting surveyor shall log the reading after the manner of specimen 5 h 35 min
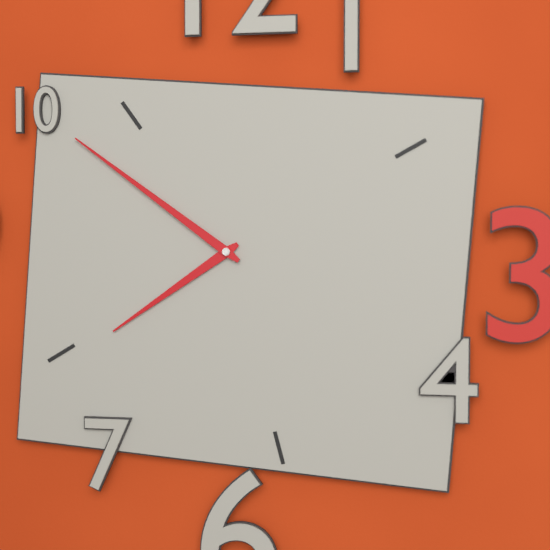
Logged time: 7 h 51 min
